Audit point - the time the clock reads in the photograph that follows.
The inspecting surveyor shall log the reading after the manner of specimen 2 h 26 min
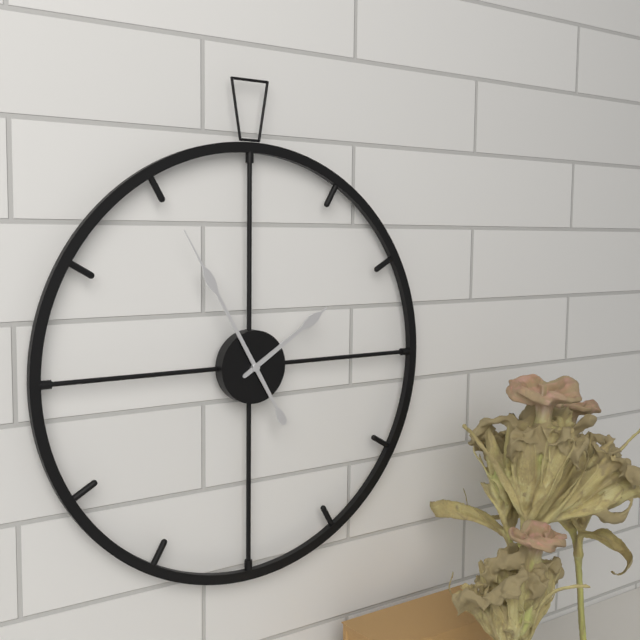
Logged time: 1 h 55 min
